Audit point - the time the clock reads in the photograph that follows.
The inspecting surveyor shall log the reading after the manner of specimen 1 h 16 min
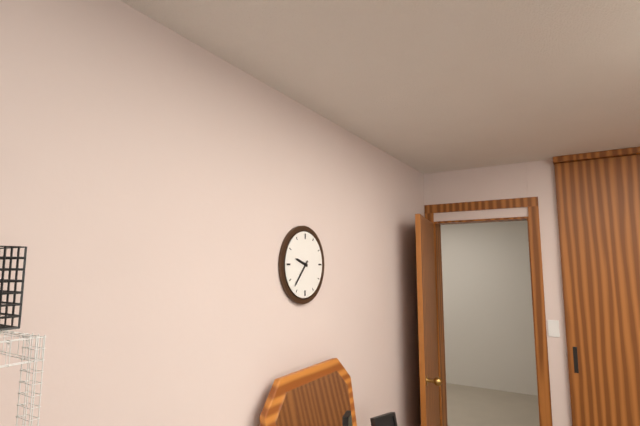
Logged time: 9 h 37 min
